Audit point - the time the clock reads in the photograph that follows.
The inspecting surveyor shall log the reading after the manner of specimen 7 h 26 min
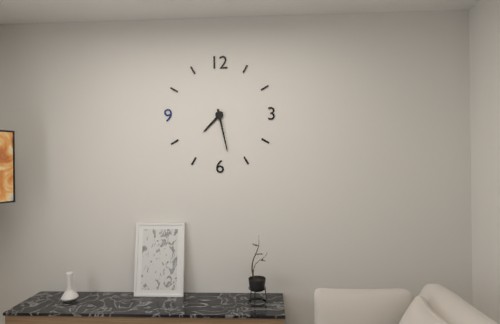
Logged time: 7 h 28 min
